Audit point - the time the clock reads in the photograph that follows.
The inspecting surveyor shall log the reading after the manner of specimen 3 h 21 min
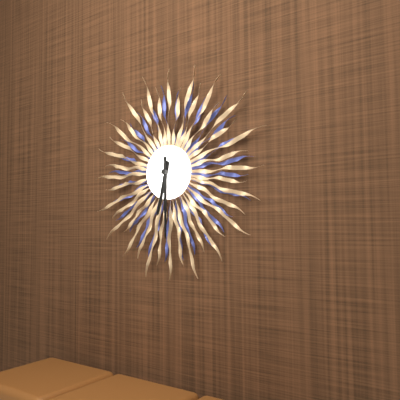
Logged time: 6 h 30 min
